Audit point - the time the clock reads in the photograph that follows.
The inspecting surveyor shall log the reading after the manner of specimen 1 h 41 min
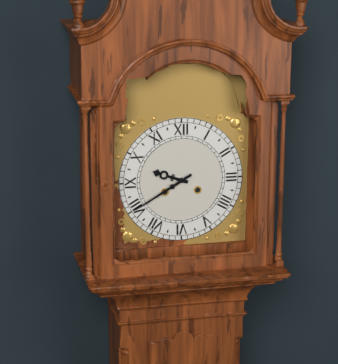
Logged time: 9 h 40 min
